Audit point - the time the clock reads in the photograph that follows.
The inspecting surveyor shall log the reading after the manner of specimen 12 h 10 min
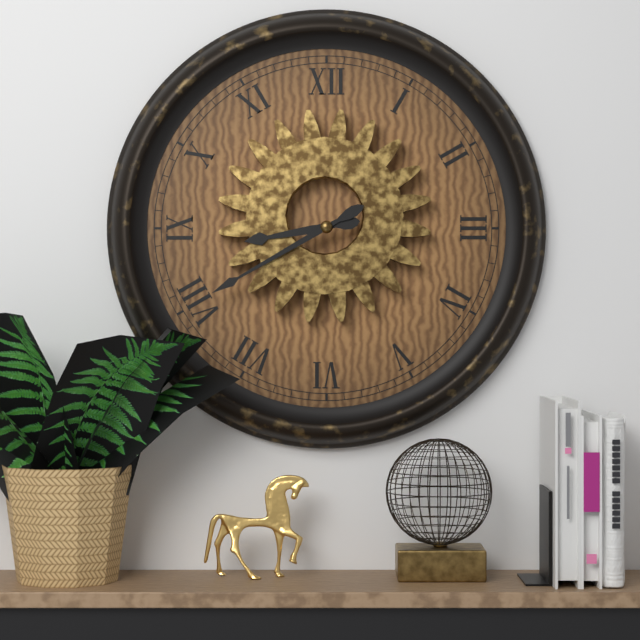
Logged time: 8 h 40 min
